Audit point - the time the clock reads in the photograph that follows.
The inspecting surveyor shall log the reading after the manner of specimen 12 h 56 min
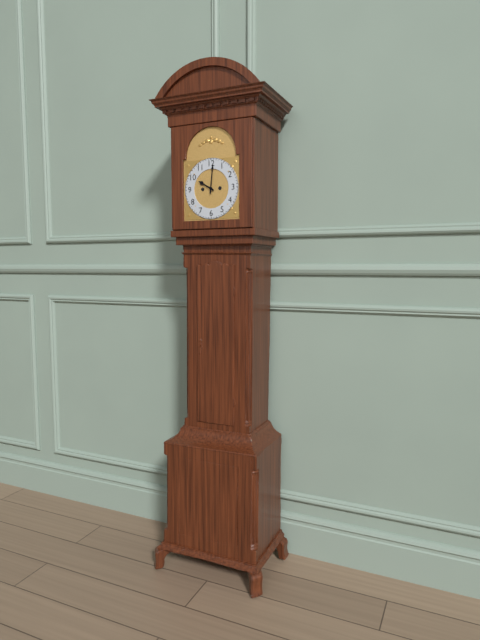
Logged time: 10 h 01 min
